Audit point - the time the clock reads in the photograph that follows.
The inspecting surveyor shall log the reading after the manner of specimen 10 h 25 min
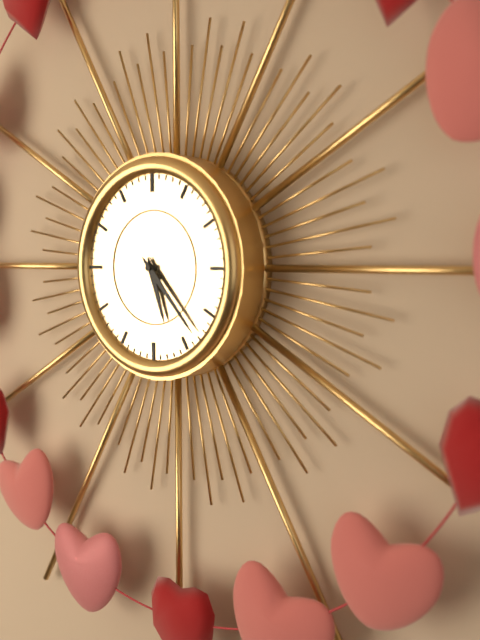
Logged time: 5 h 23 min
